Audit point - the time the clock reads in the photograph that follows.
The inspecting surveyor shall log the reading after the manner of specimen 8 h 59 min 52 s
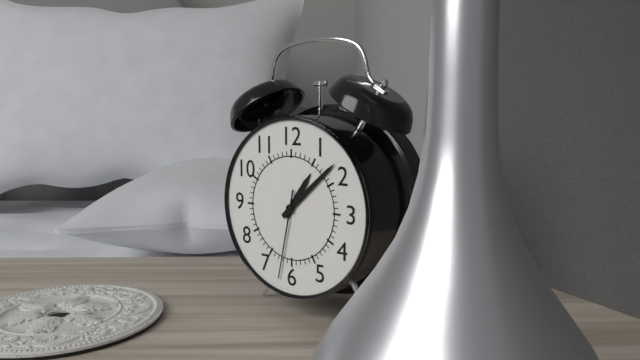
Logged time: 1 h 08 min 32 s
